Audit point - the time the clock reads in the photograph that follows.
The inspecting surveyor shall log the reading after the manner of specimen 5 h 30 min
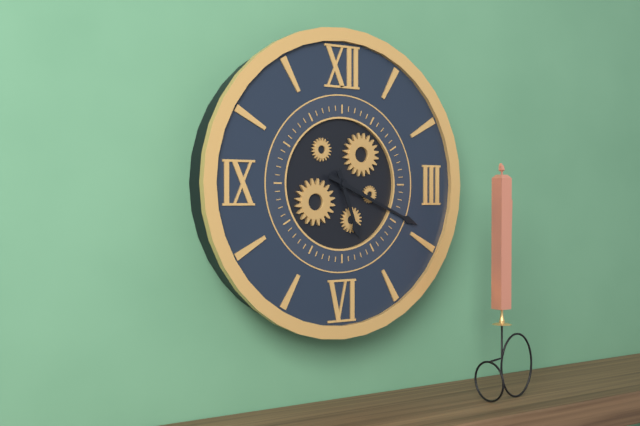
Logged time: 5 h 19 min
